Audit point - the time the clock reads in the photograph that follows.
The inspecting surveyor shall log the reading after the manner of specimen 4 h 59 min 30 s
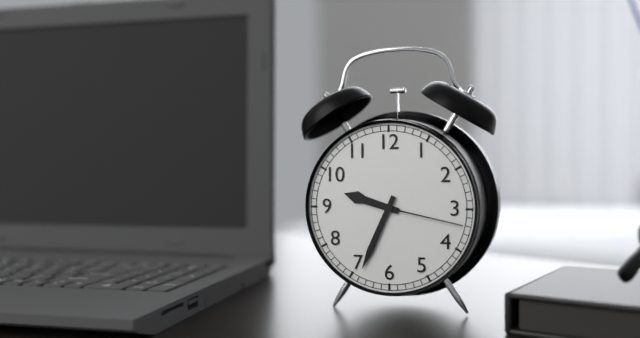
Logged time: 9 h 34 min 17 s
